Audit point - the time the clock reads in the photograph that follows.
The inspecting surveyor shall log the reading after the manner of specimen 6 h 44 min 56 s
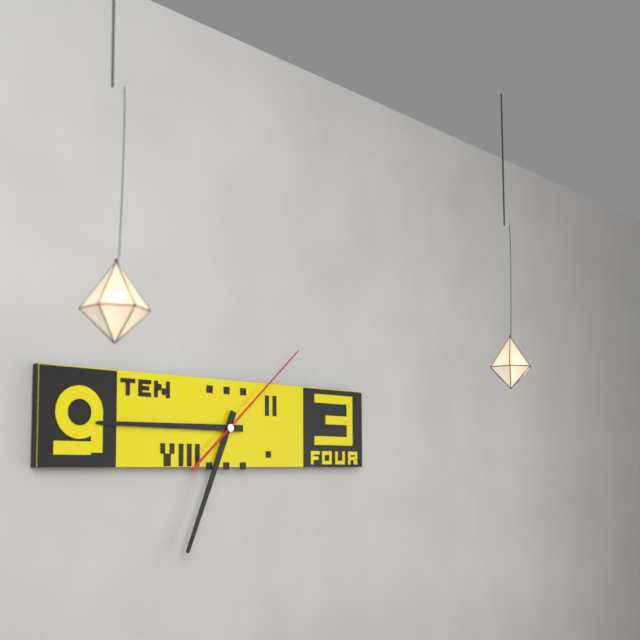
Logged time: 6 h 45 min 08 s
